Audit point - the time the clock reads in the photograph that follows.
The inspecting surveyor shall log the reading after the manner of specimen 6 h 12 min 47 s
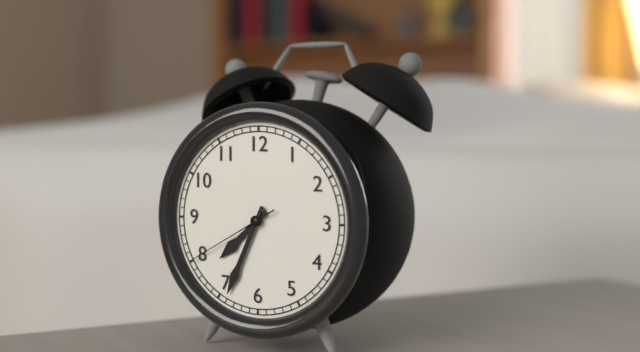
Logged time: 7 h 34 min 40 s
